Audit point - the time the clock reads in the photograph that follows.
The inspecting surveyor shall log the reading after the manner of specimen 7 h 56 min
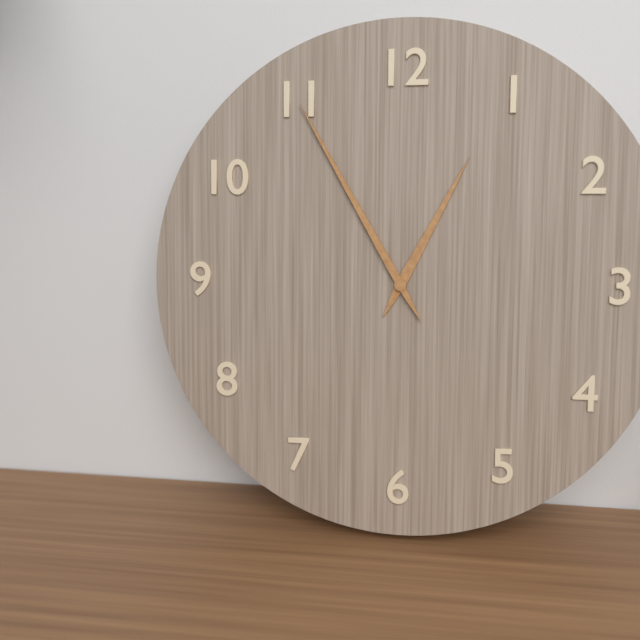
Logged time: 12 h 55 min
